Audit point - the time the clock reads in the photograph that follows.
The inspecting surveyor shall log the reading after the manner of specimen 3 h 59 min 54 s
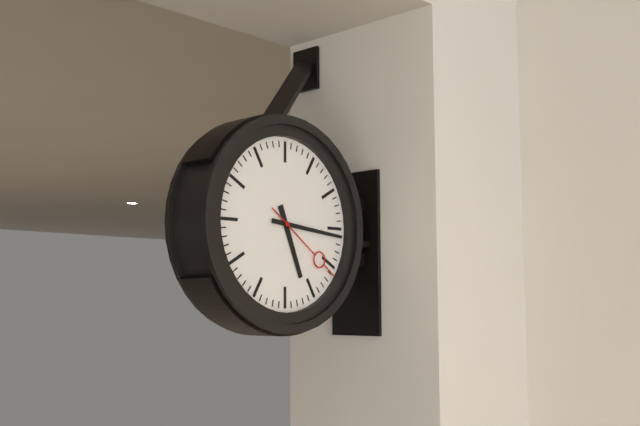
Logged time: 5 h 16 min 21 s
